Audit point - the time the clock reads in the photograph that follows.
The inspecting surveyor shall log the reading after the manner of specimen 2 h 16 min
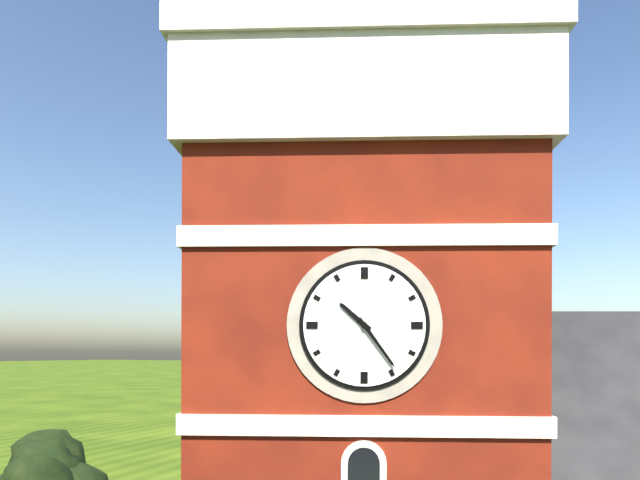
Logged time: 10 h 24 min
